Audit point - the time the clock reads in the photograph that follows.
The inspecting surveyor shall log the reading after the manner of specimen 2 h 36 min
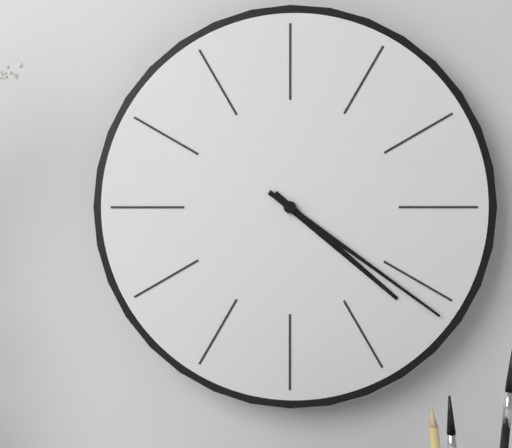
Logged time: 4 h 21 min
